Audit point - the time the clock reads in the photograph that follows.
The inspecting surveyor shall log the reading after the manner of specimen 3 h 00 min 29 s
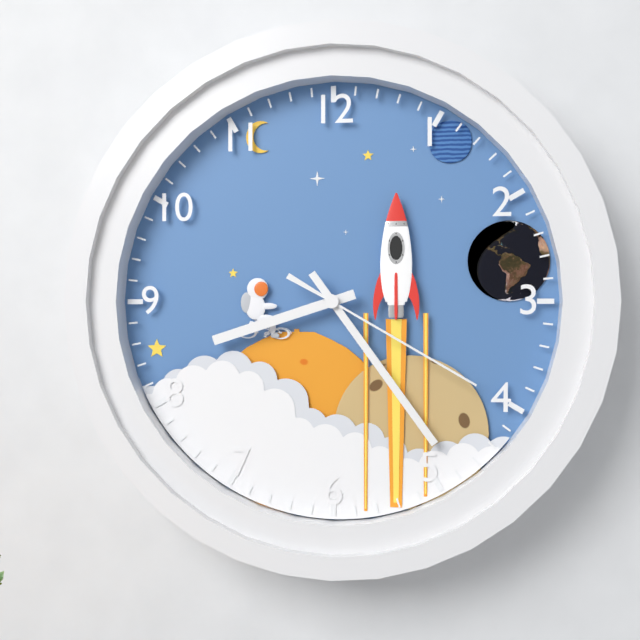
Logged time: 8 h 24 min 20 s
